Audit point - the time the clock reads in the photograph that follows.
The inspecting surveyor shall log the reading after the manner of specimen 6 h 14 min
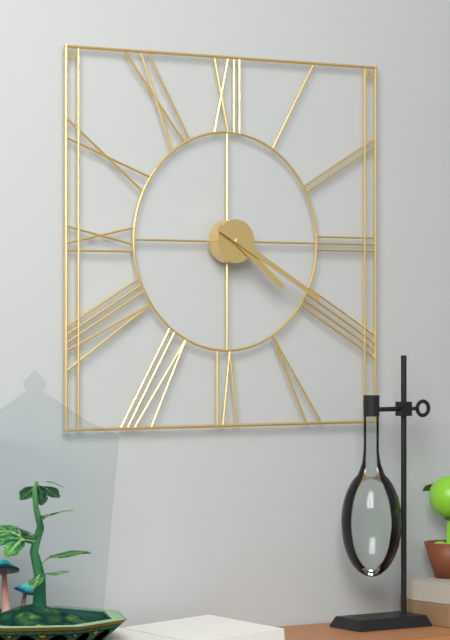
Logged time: 4 h 20 min
